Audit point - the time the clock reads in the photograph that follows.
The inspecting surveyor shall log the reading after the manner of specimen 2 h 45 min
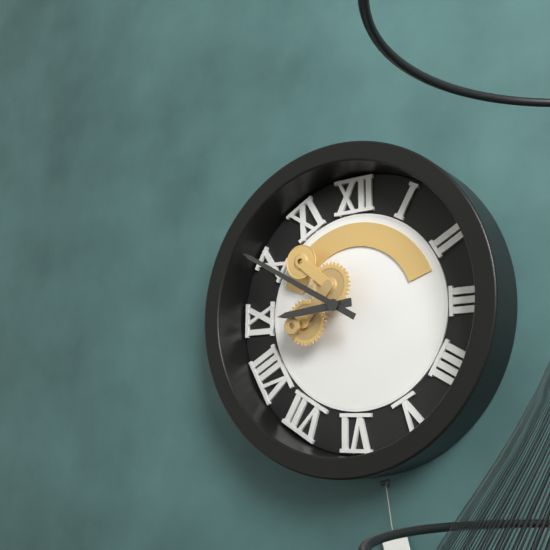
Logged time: 8 h 50 min
